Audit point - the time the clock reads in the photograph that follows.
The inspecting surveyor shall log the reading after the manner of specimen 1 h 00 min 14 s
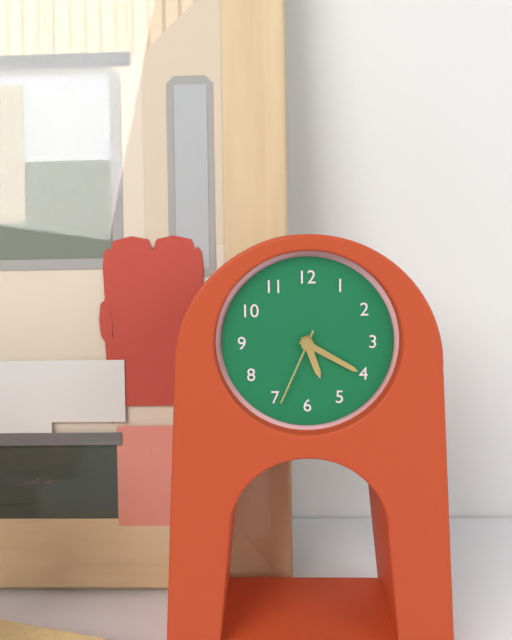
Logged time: 5 h 20 min 34 s
